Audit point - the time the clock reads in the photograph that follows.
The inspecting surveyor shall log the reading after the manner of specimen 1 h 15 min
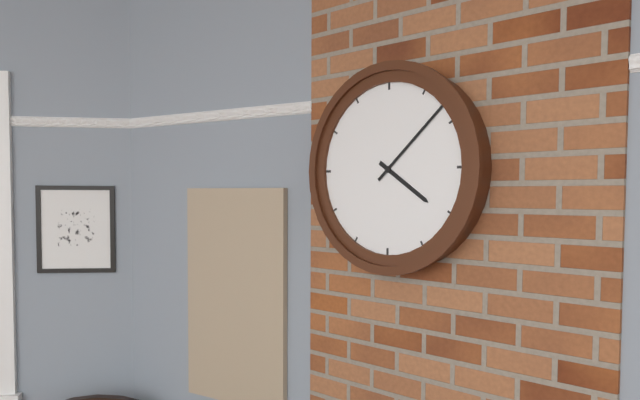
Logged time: 4 h 08 min
